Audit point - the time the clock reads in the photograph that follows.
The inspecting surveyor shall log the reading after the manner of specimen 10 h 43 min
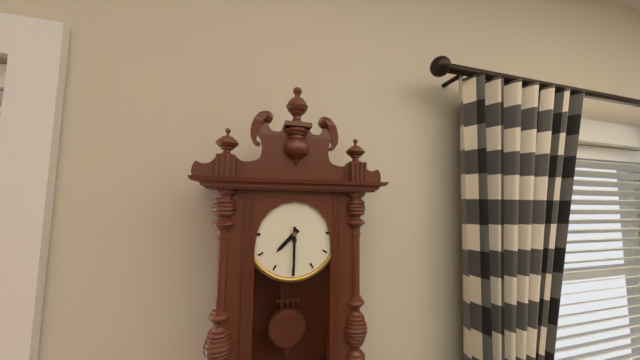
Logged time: 7 h 30 min
